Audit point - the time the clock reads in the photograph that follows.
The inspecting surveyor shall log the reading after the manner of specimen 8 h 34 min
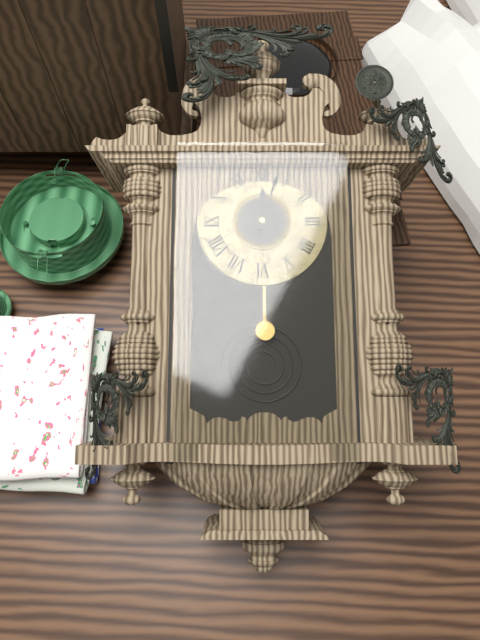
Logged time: 12 h 03 min
